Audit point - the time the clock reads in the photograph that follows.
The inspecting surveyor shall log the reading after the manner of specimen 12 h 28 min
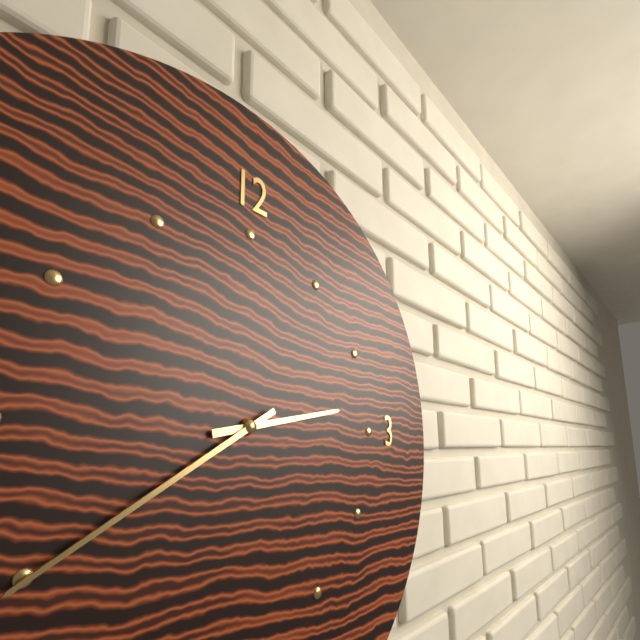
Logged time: 2 h 40 min
